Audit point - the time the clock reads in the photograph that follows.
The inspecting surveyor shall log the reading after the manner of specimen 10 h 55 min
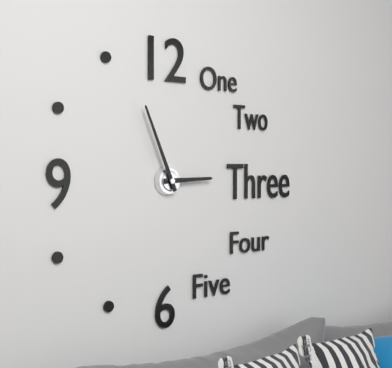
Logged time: 2 h 56 min
